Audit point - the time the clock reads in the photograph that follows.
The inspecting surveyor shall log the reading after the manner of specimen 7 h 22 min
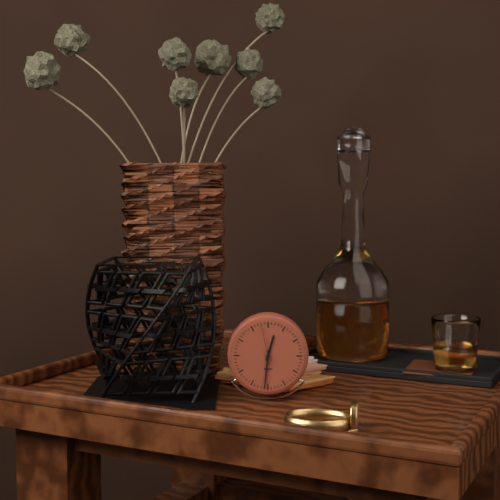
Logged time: 12 h 31 min
